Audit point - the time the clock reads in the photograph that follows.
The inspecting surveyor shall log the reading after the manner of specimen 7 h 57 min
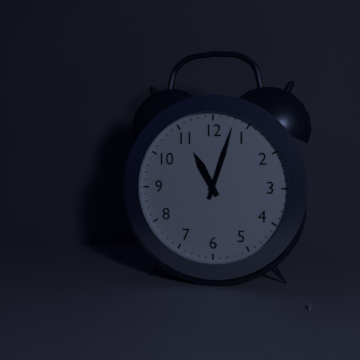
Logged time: 11 h 03 min
